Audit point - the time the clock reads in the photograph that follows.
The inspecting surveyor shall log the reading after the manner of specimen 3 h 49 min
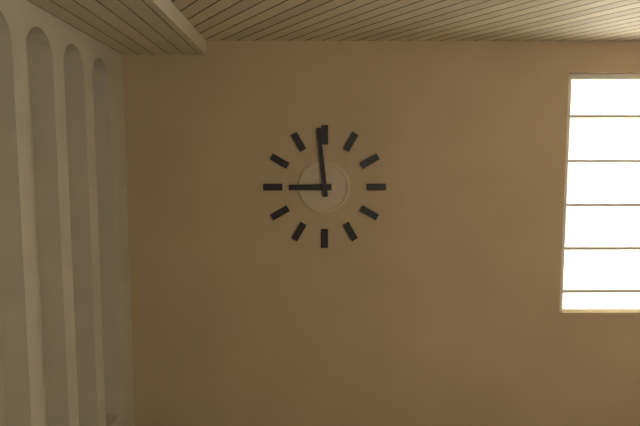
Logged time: 8 h 59 min
